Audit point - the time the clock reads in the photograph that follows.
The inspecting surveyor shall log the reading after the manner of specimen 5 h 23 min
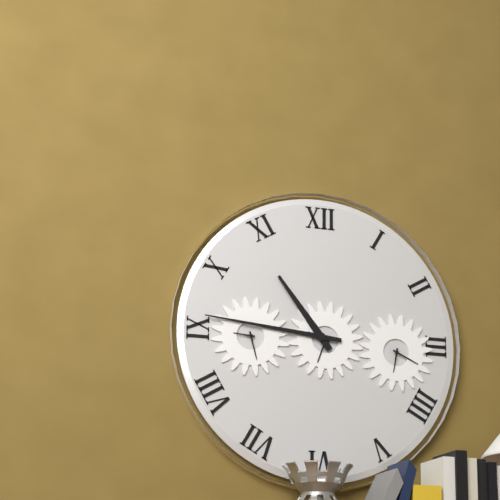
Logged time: 10 h 46 min
